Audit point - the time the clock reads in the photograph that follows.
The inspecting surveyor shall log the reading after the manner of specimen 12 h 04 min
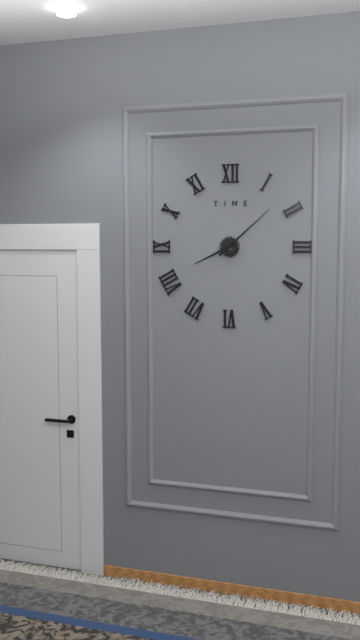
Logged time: 8 h 08 min
